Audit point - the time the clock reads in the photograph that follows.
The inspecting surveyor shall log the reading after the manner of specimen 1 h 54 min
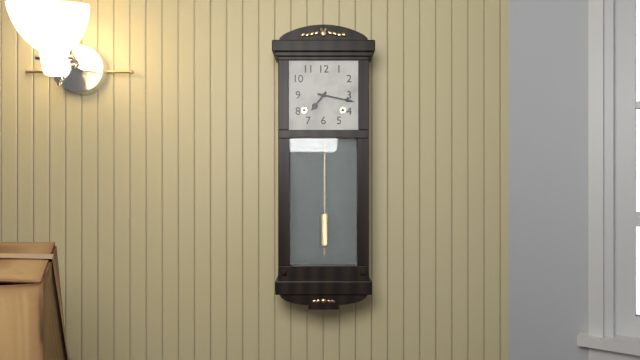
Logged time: 7 h 17 min
